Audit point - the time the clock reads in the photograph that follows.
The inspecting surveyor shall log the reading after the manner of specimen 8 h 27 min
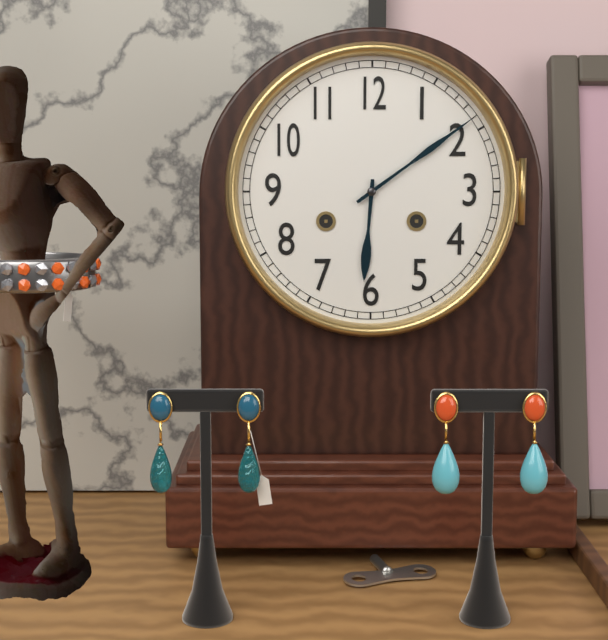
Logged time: 6 h 09 min
